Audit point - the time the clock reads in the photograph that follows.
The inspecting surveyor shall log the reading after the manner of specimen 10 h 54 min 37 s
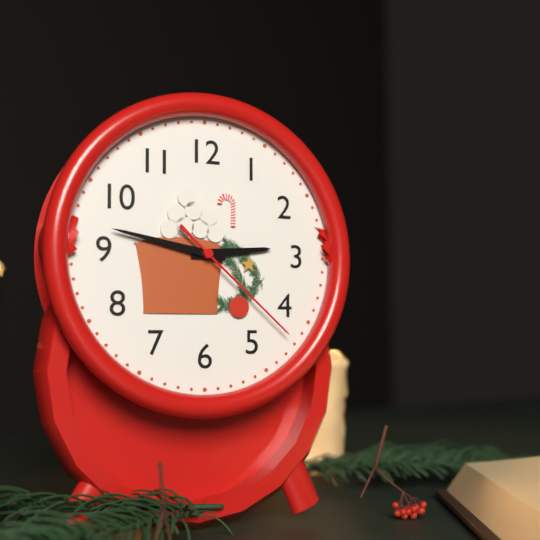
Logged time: 2 h 47 min 22 s
